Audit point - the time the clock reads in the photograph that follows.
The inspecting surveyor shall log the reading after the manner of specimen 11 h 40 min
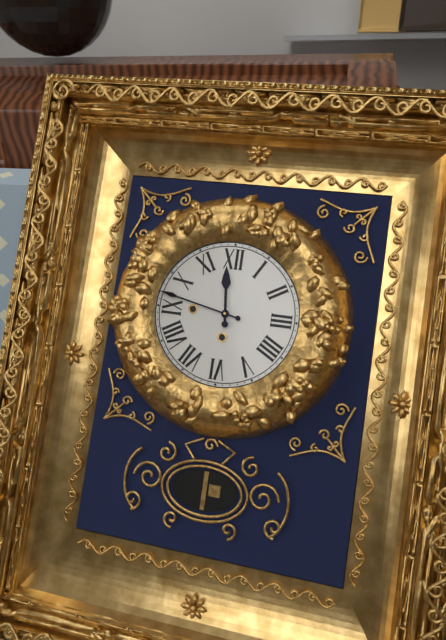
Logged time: 11 h 47 min
